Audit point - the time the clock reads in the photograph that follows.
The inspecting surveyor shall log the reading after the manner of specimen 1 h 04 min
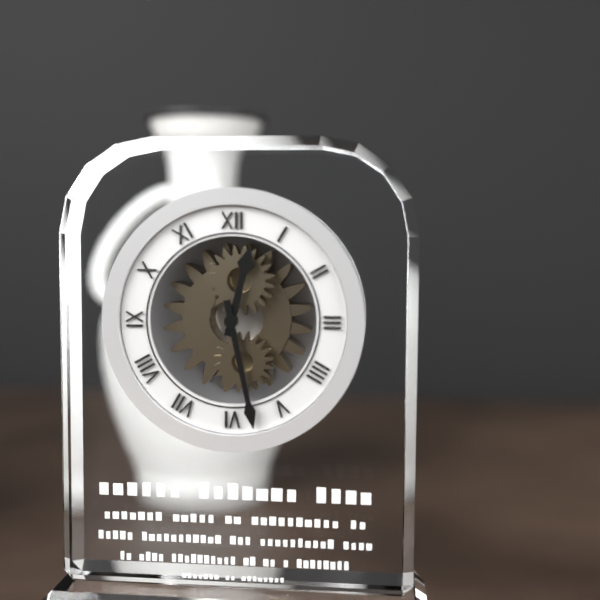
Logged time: 12 h 28 min
